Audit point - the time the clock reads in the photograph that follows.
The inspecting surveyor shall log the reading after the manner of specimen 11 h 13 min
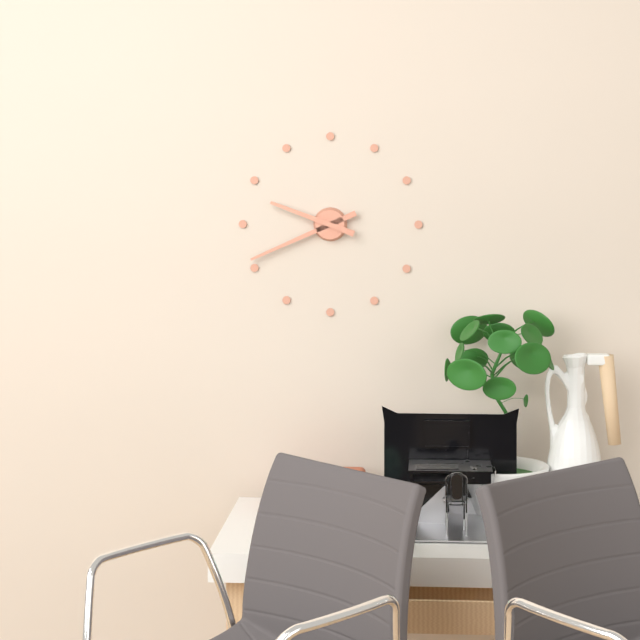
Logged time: 9 h 41 min
